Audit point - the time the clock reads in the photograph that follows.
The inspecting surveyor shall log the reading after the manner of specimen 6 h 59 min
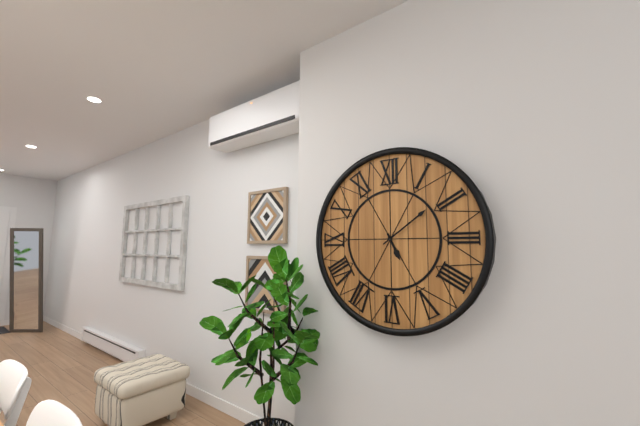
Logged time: 5 h 09 min
